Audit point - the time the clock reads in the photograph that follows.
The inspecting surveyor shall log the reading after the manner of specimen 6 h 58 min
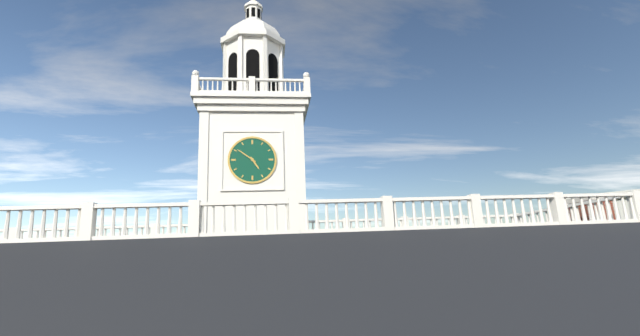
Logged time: 4 h 51 min
